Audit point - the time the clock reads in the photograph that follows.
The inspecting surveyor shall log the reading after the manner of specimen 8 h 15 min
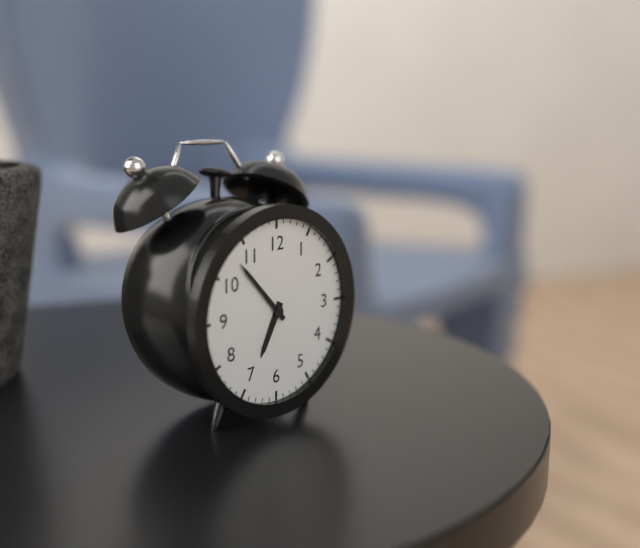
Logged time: 6 h 53 min
